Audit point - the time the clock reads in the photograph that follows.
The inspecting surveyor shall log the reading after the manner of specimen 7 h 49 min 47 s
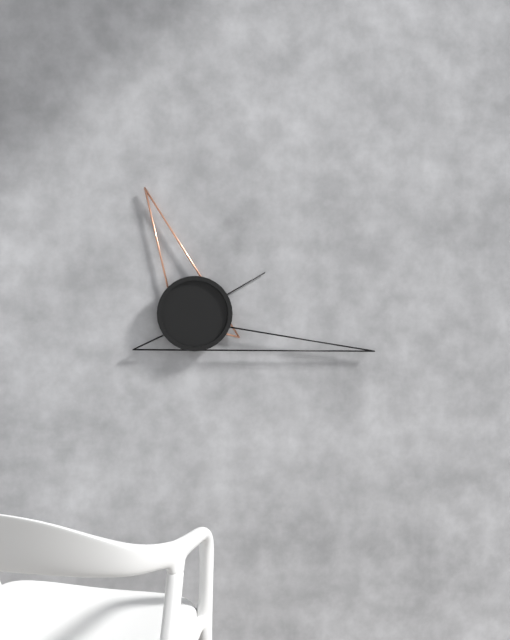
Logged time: 11 h 17 min 10 s
